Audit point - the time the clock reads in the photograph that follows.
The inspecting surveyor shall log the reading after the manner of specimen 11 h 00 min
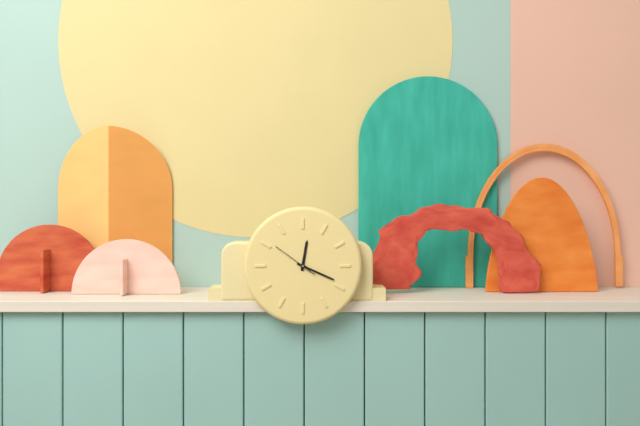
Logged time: 12 h 19 min
